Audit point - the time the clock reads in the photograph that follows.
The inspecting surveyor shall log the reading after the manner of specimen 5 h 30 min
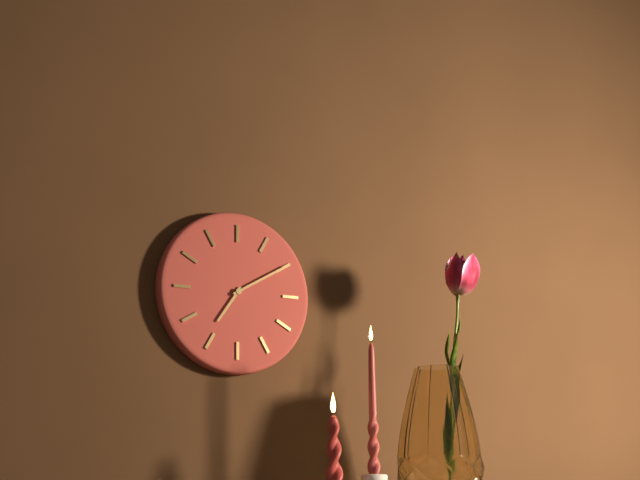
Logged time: 7 h 10 min
